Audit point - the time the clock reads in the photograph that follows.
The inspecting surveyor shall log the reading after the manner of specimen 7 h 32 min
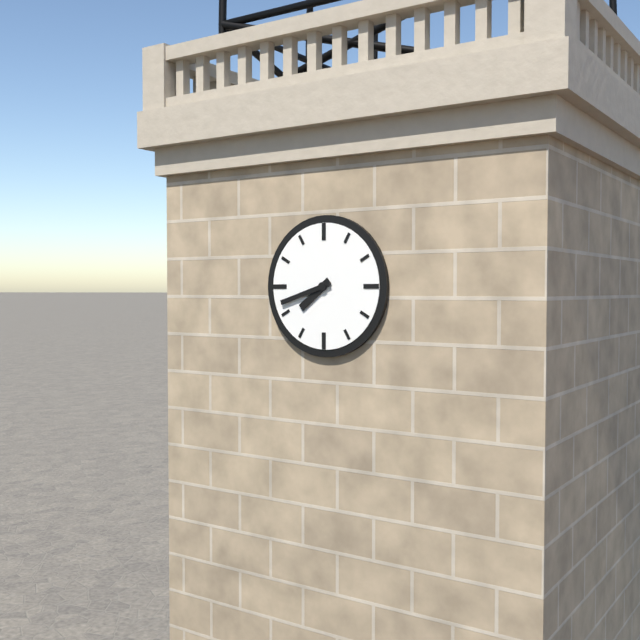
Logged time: 7 h 42 min
